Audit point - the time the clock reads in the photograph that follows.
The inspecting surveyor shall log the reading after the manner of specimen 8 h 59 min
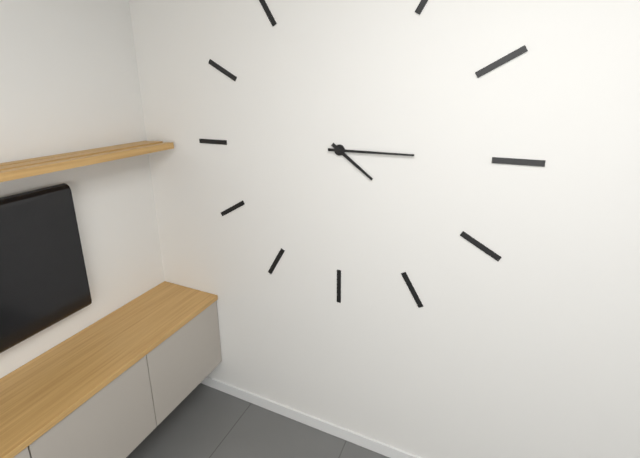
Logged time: 4 h 15 min
